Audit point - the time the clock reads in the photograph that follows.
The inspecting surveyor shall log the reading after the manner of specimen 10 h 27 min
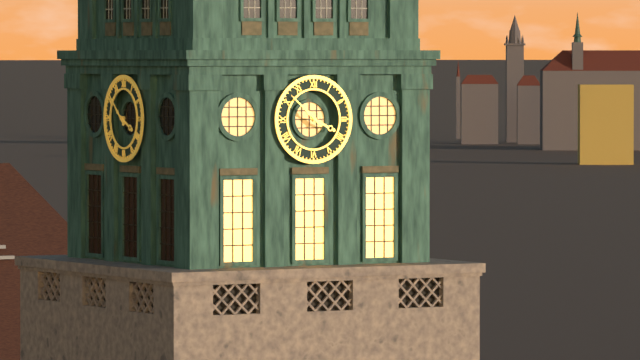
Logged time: 3 h 52 min
